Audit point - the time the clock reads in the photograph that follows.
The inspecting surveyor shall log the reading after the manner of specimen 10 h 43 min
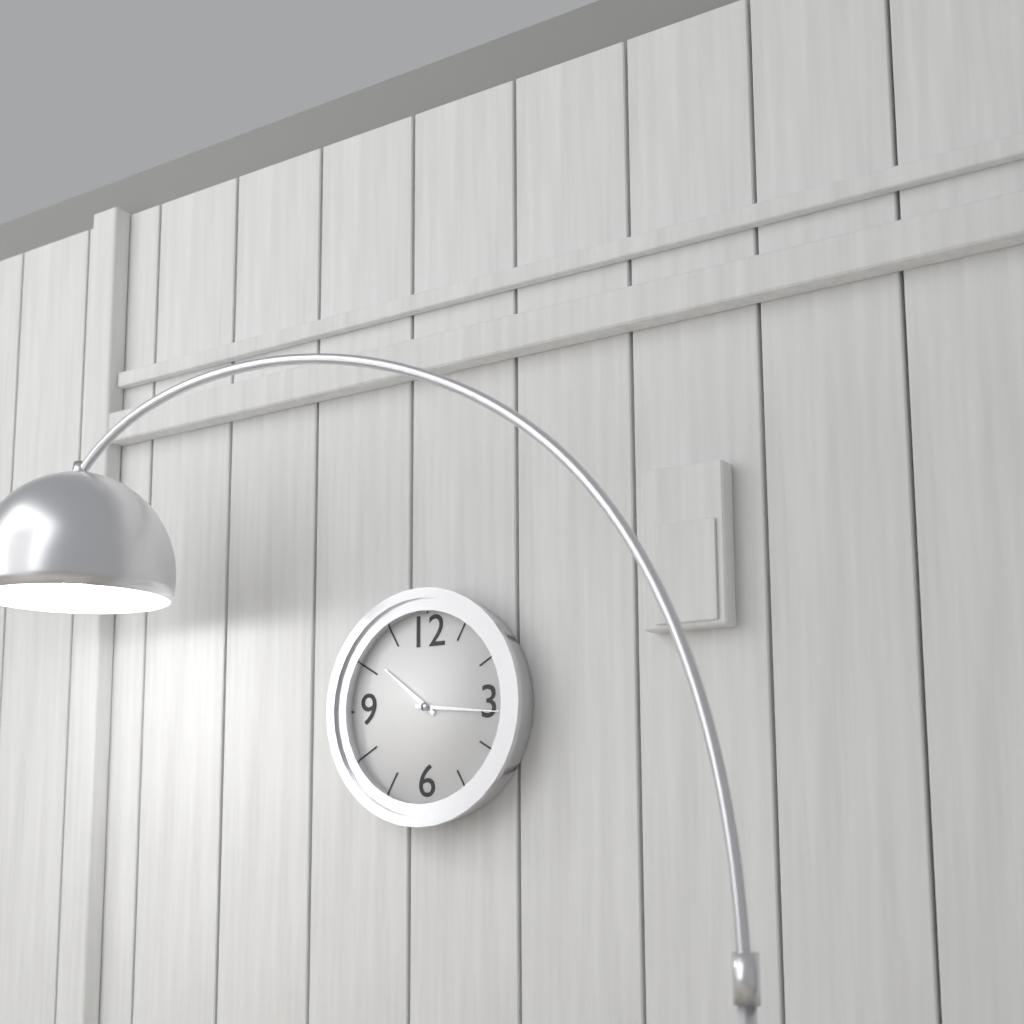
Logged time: 10 h 16 min
